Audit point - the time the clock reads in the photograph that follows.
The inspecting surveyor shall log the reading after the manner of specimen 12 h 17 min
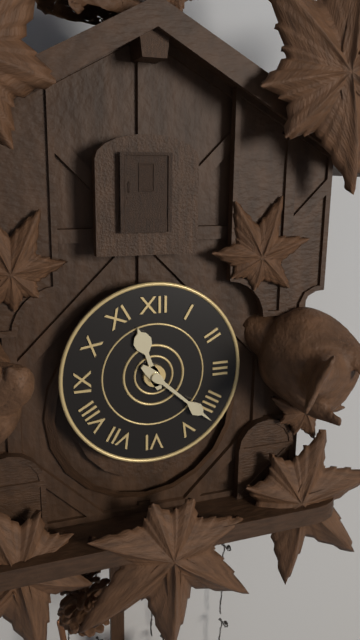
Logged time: 11 h 22 min
